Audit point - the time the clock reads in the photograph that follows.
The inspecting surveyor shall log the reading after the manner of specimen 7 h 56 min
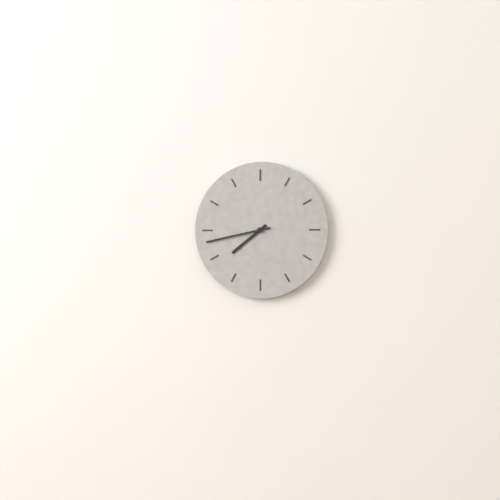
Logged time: 7 h 43 min
